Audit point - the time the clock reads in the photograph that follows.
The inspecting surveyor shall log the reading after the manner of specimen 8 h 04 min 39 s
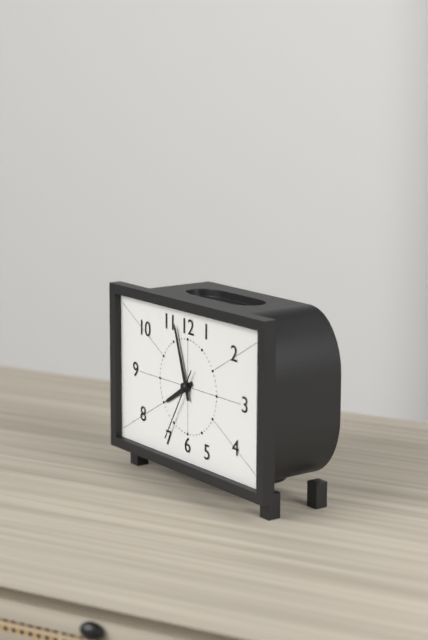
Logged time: 7 h 57 min 35 s
